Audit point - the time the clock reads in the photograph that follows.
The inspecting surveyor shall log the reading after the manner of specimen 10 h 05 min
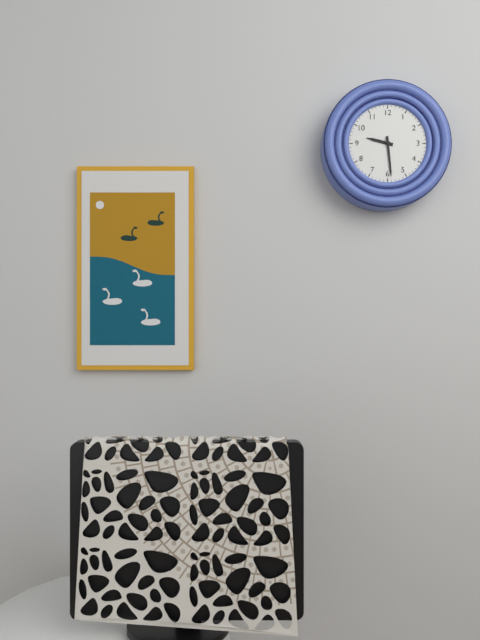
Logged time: 9 h 29 min
